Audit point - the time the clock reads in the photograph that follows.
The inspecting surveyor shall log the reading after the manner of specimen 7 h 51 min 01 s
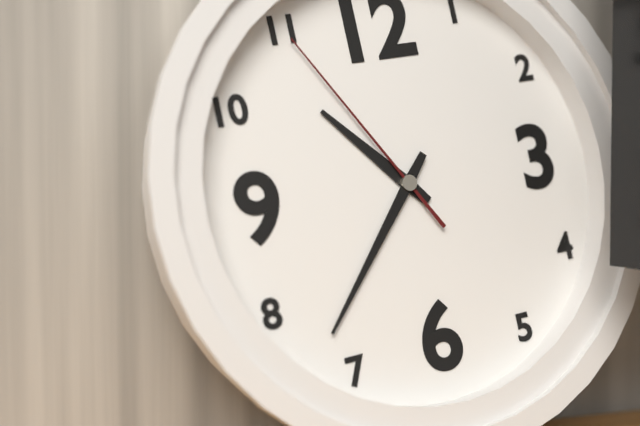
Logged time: 10 h 37 min 55 s
